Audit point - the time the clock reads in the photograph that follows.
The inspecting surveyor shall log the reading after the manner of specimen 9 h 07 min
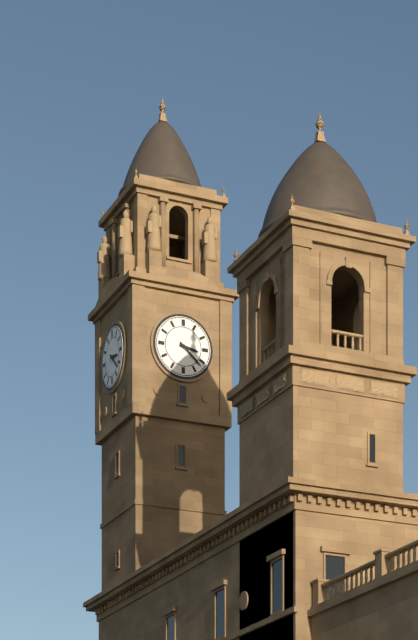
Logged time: 3 h 22 min
